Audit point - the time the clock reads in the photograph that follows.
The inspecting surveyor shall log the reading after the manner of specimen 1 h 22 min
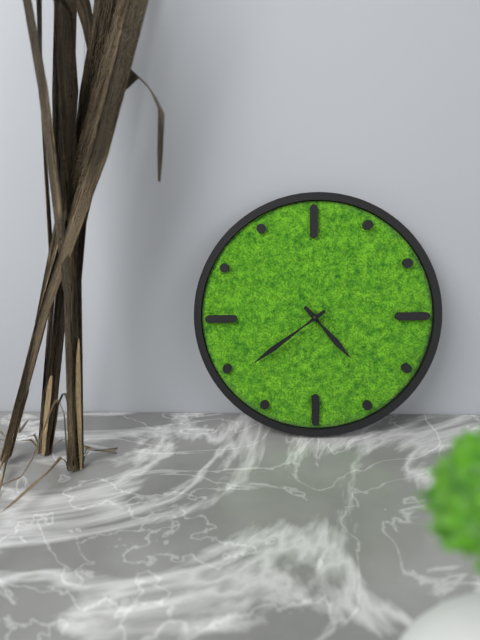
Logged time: 4 h 39 min
